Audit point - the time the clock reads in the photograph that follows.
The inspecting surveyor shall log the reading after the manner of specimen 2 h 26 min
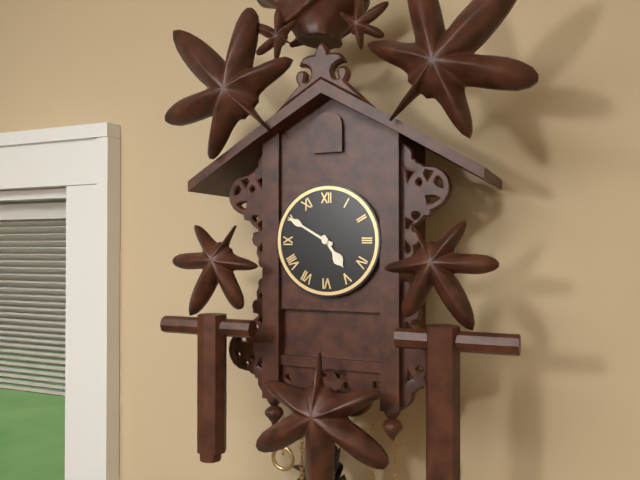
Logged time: 4 h 50 min
